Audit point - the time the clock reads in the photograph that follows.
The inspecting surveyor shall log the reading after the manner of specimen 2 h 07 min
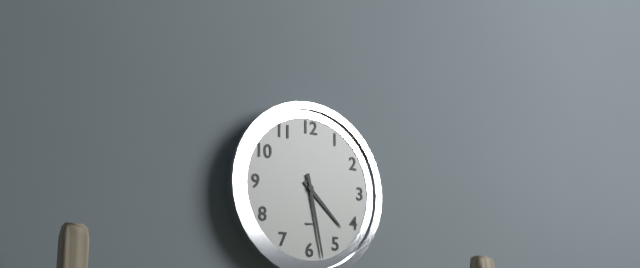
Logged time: 4 h 28 min
